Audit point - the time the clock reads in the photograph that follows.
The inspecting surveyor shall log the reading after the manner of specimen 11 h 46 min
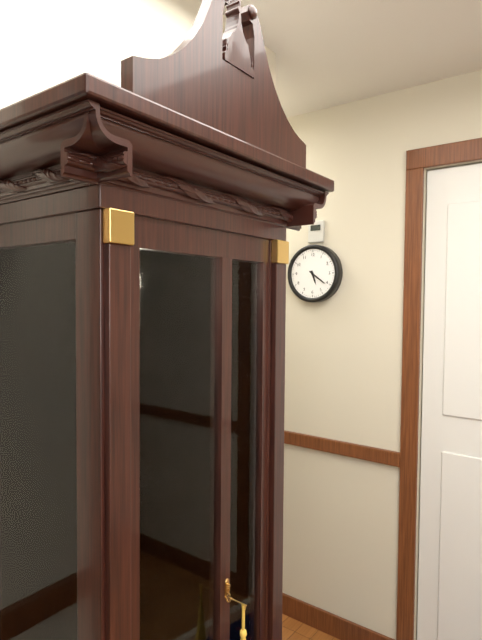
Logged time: 5 h 21 min
